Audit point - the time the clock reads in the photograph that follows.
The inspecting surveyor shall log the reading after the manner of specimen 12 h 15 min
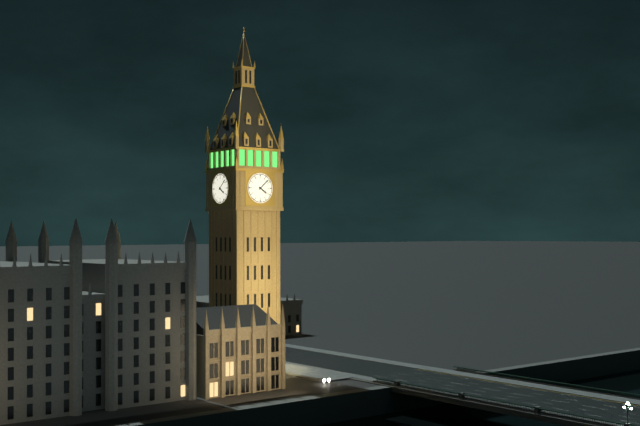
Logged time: 4 h 08 min
